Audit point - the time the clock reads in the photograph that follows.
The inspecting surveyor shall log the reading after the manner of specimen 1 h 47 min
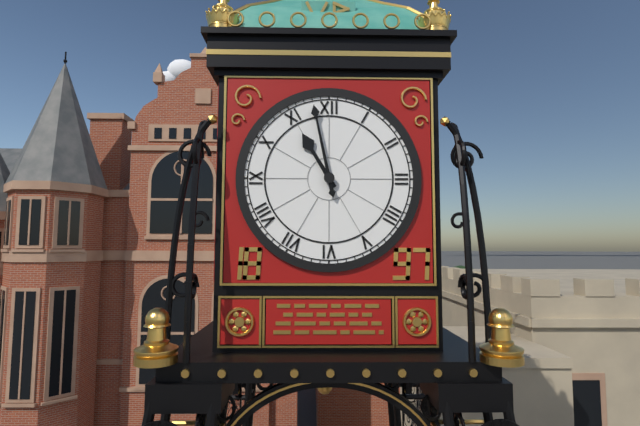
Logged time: 10 h 58 min
